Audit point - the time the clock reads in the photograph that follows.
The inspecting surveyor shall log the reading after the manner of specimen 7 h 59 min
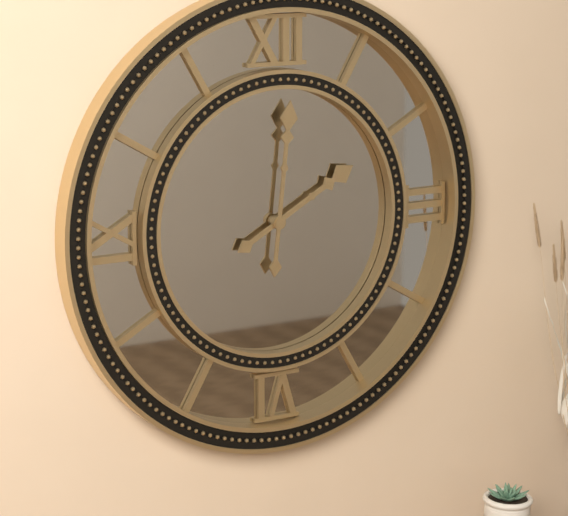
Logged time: 2 h 01 min
